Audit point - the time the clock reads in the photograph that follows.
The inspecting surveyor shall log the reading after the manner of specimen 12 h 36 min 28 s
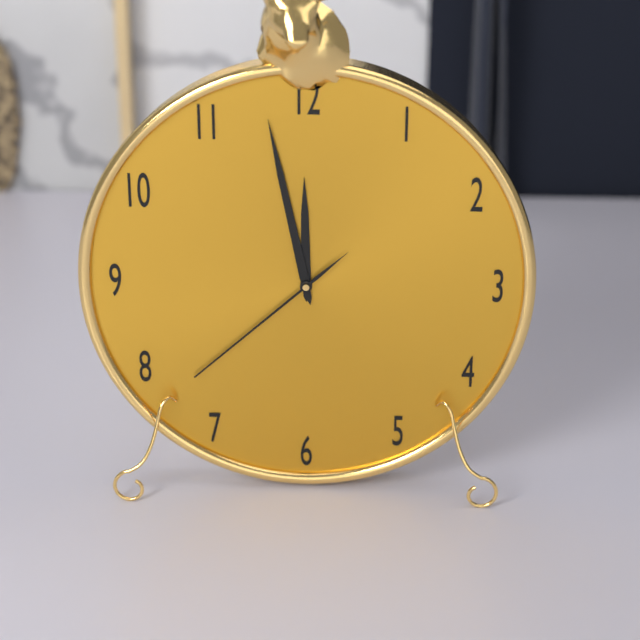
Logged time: 11 h 58 min 38 s
